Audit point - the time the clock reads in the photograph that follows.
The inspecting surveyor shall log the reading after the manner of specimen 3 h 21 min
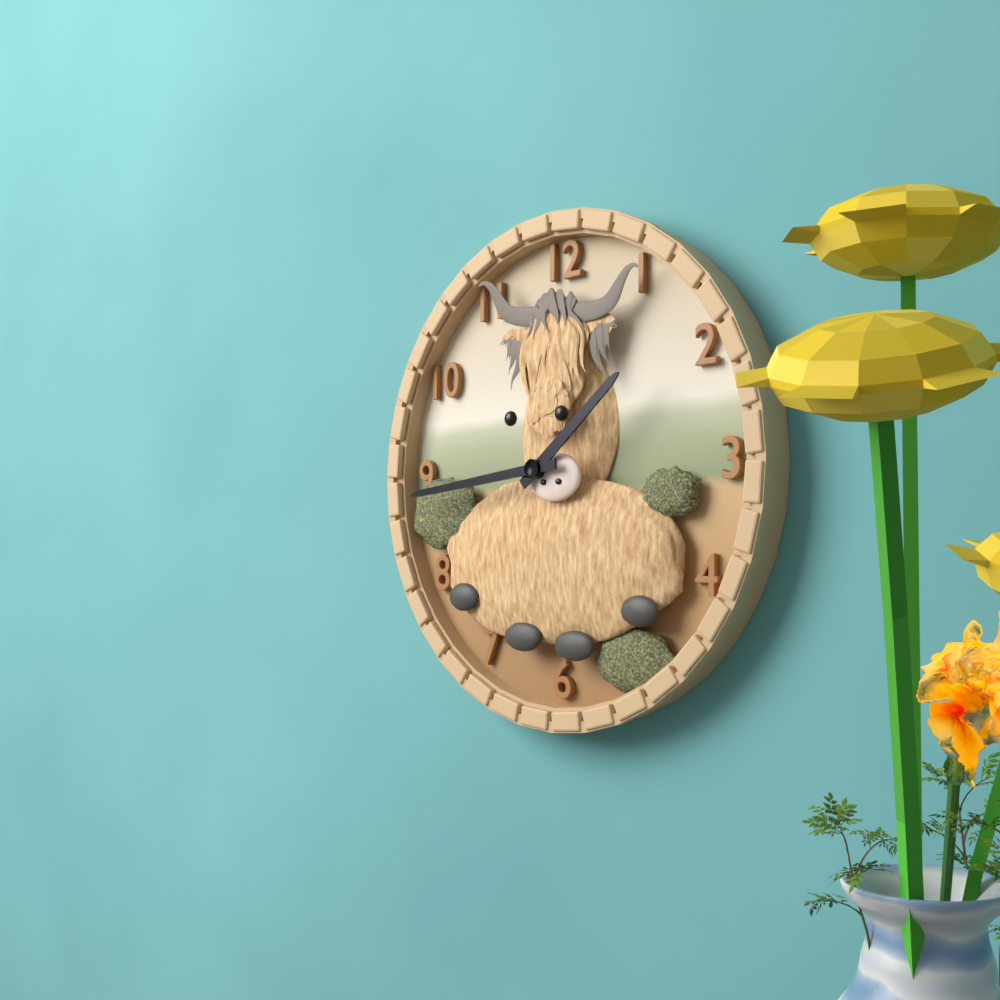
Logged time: 1 h 44 min
